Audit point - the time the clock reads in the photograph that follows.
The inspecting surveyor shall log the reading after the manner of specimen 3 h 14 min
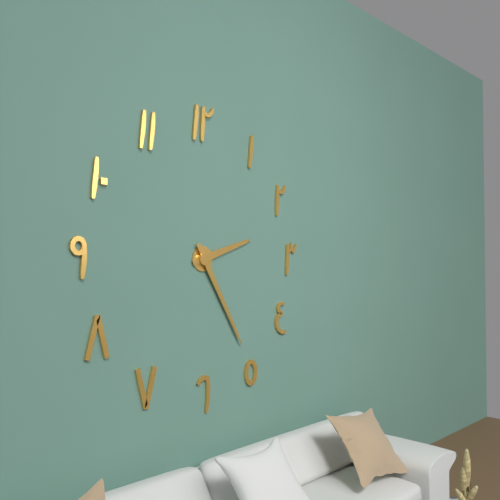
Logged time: 2 h 25 min
